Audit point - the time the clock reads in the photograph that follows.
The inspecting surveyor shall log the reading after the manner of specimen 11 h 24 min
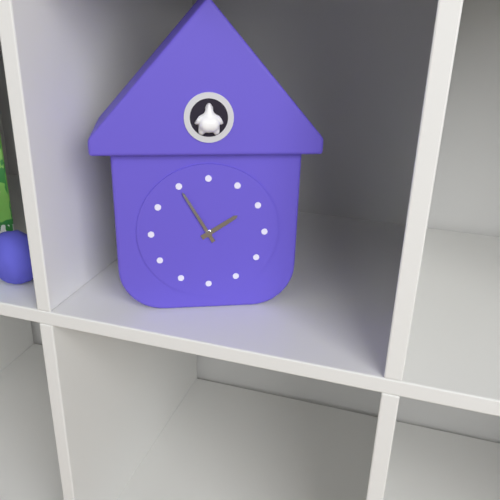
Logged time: 1 h 55 min
